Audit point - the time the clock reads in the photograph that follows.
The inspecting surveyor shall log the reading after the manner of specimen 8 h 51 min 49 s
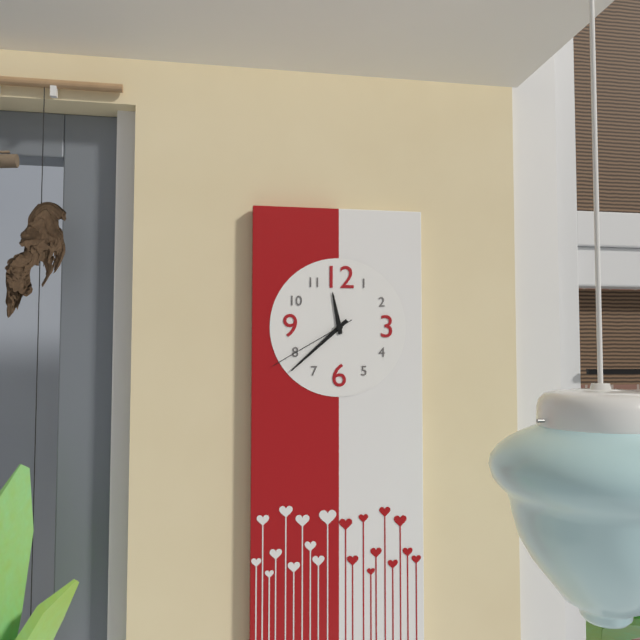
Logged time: 11 h 38 min 40 s
